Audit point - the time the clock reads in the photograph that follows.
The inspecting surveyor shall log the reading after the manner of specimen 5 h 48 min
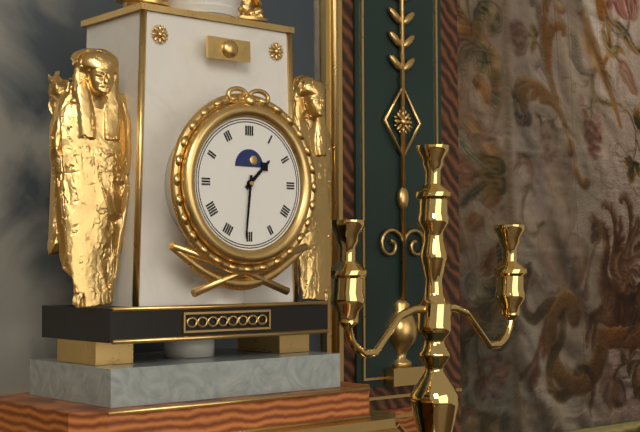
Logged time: 1 h 31 min
